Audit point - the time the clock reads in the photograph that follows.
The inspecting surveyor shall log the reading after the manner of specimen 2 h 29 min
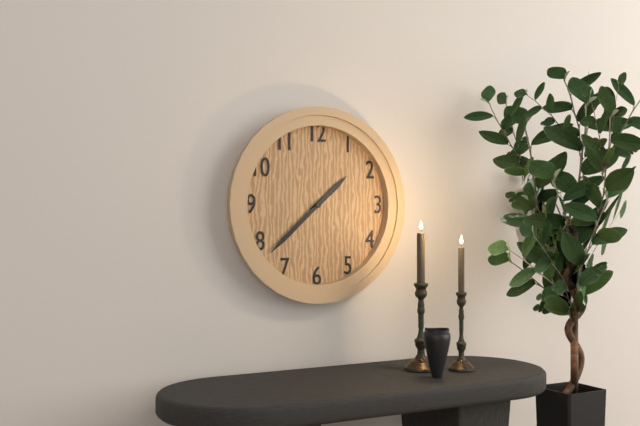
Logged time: 1 h 38 min
